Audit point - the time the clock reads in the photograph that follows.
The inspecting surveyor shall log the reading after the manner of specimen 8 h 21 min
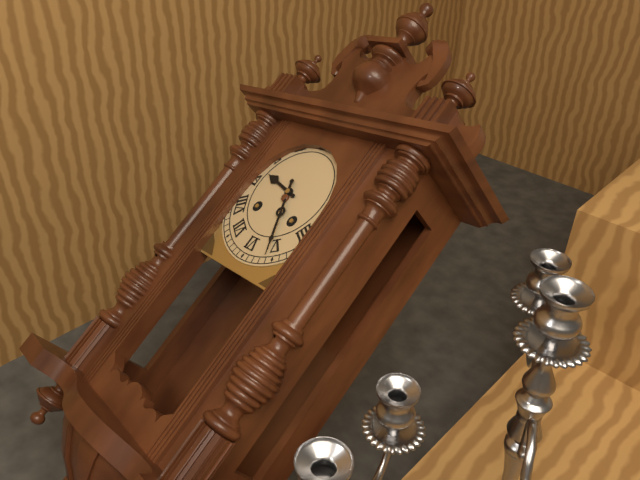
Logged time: 9 h 26 min
